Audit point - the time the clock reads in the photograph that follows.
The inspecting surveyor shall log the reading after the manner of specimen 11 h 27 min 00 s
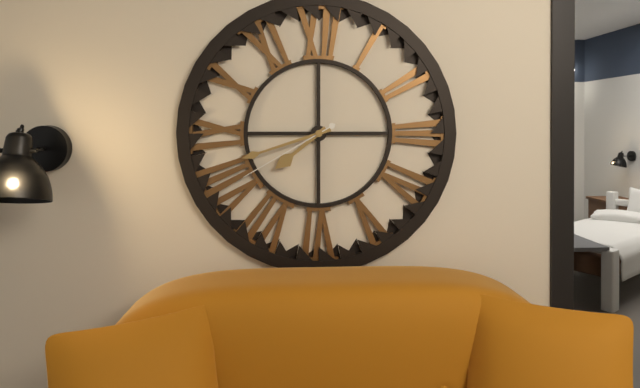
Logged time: 7 h 42 min 40 s
